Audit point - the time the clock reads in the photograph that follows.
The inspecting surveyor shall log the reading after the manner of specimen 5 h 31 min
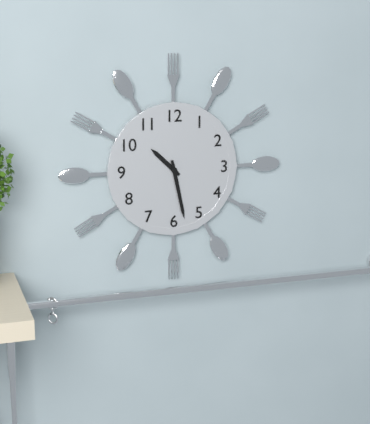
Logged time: 10 h 28 min
